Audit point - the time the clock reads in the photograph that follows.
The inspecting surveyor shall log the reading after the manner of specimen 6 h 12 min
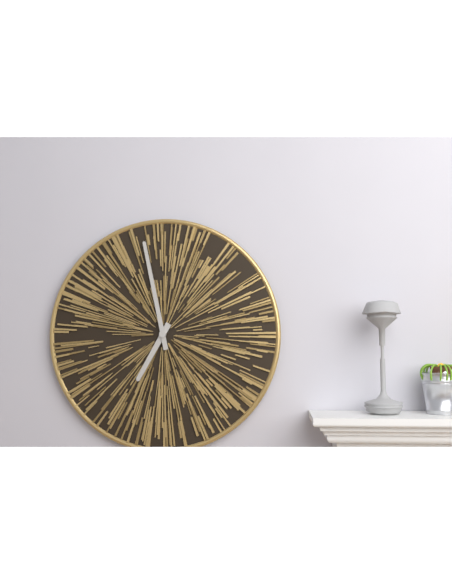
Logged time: 6 h 58 min
